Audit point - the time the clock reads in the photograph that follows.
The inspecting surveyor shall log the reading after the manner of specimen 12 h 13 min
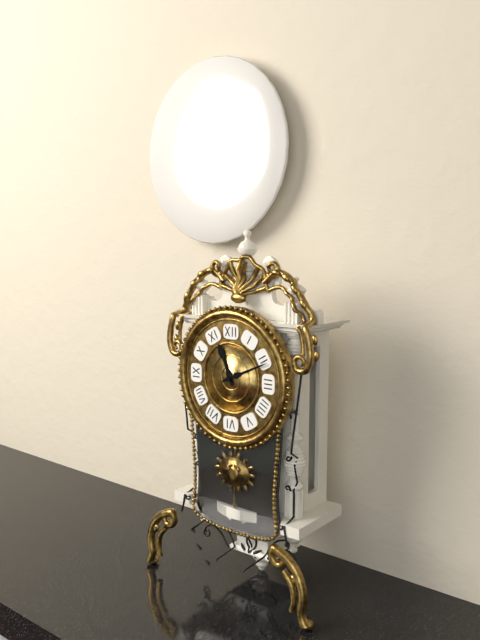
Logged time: 11 h 11 min
